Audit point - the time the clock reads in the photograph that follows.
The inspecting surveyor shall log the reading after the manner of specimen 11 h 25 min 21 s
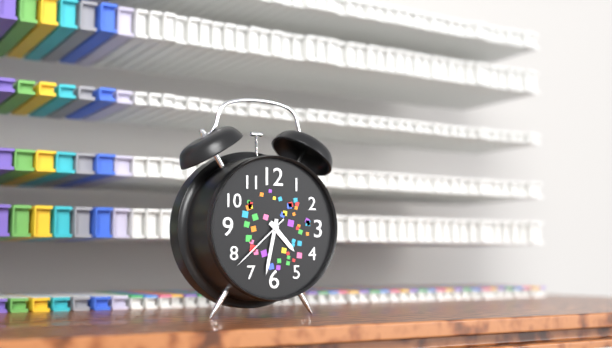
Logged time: 4 h 32 min 38 s
